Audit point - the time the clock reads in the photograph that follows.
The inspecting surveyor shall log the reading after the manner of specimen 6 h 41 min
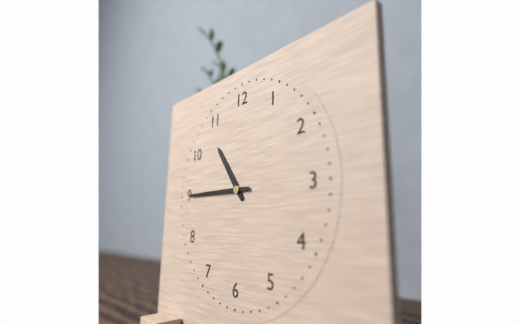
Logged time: 10 h 45 min
